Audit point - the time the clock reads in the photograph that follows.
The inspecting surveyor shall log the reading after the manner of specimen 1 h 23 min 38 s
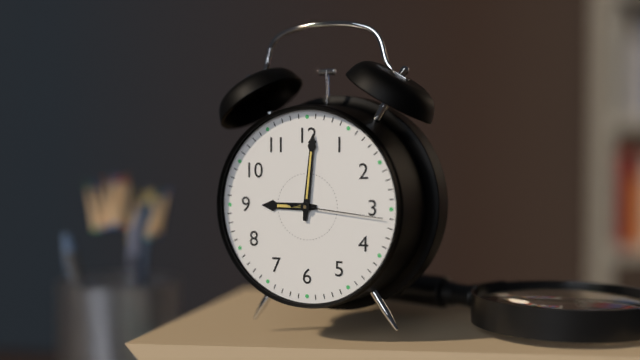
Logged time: 9 h 01 min 16 s
